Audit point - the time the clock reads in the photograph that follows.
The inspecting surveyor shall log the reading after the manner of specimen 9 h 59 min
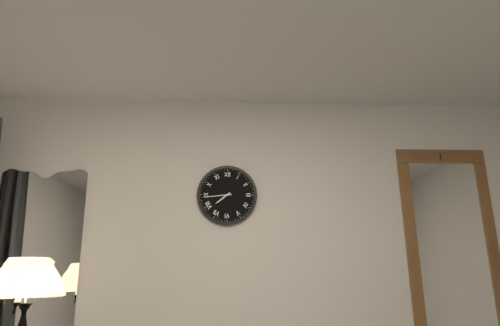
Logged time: 7 h 44 min
